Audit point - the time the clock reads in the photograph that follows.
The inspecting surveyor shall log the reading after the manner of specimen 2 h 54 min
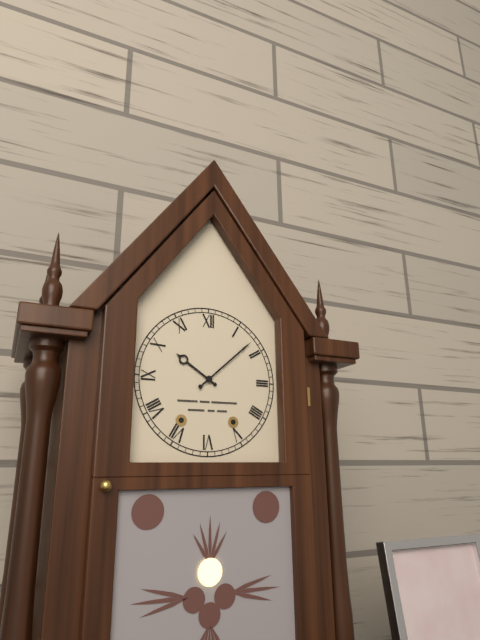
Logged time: 10 h 08 min
